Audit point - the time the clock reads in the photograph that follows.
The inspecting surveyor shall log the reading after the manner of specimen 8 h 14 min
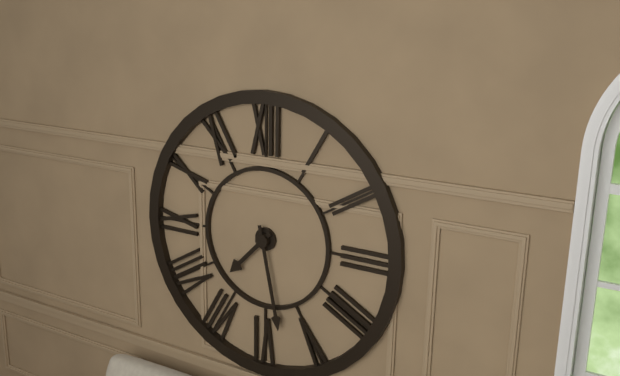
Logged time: 7 h 28 min
